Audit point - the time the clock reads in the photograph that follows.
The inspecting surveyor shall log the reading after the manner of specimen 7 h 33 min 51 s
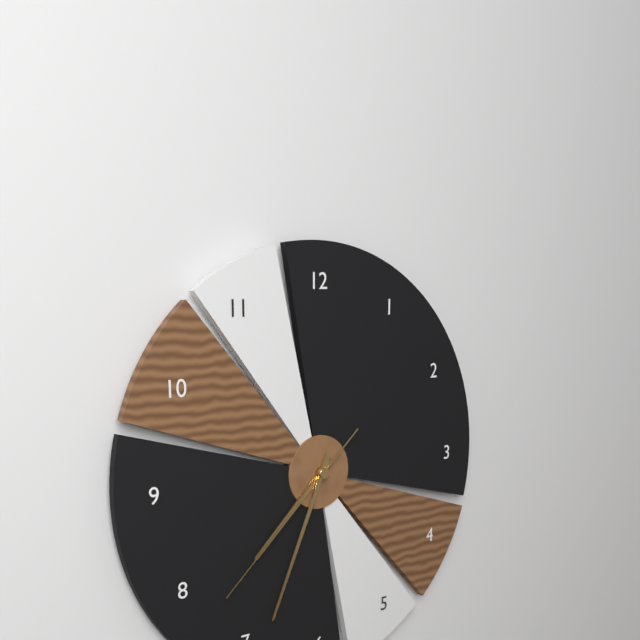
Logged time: 7 h 34 min 38 s
